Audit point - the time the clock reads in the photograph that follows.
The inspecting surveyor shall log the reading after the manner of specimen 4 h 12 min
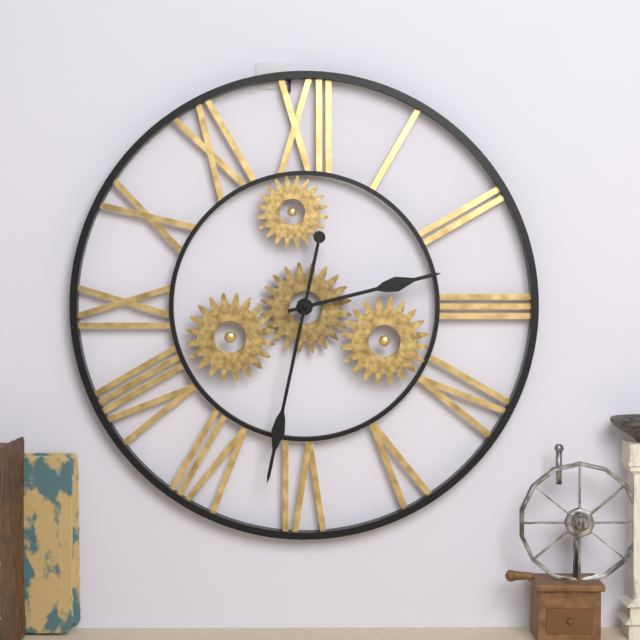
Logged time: 2 h 32 min
